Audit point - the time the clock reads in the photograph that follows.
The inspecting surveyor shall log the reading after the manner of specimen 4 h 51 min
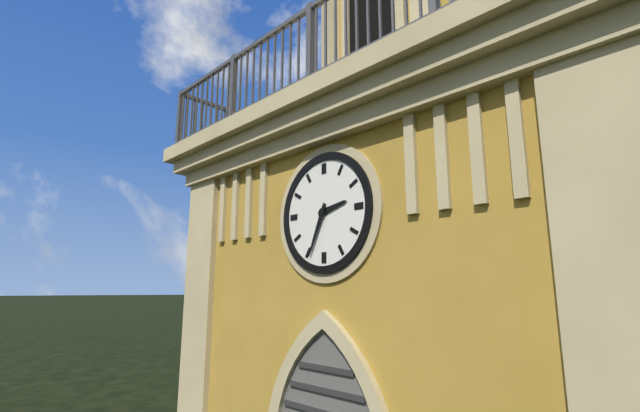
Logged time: 2 h 34 min
